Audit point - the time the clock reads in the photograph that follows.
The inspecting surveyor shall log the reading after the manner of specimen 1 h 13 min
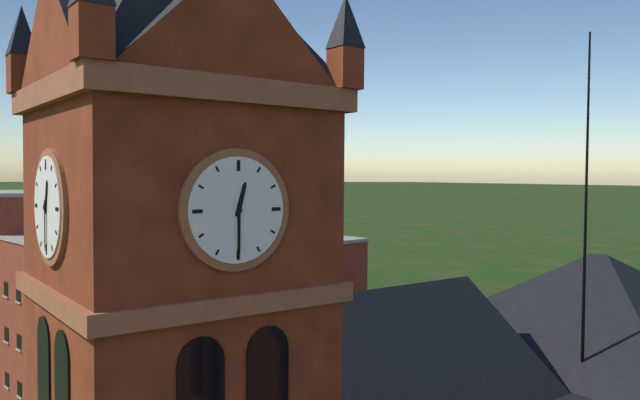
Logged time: 12 h 30 min
